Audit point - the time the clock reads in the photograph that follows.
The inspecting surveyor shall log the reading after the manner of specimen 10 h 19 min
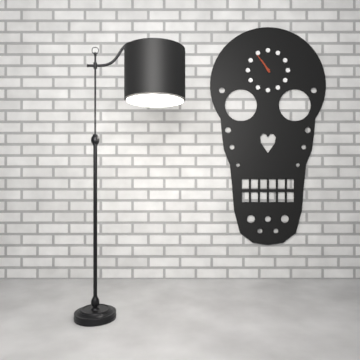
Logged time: 10 h 54 min
